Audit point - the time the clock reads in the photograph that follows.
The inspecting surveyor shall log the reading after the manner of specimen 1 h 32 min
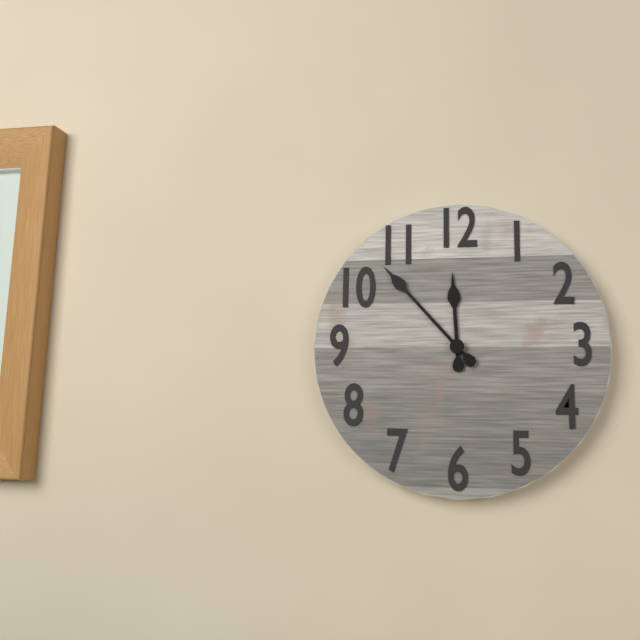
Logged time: 11 h 53 min
